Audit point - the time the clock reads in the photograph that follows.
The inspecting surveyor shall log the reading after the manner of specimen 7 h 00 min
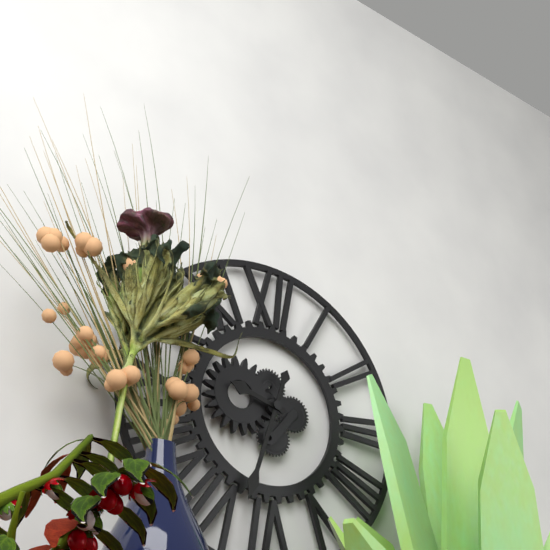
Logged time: 9 h 33 min
